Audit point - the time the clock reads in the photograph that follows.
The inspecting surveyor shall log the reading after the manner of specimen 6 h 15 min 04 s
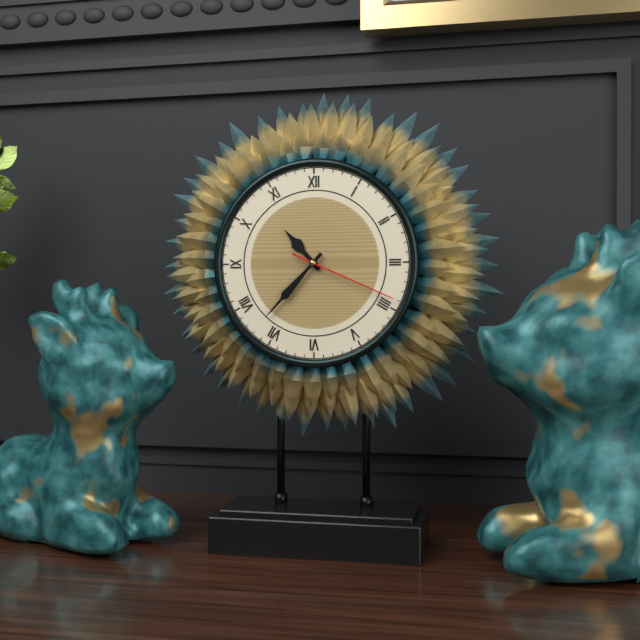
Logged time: 10 h 37 min 19 s
